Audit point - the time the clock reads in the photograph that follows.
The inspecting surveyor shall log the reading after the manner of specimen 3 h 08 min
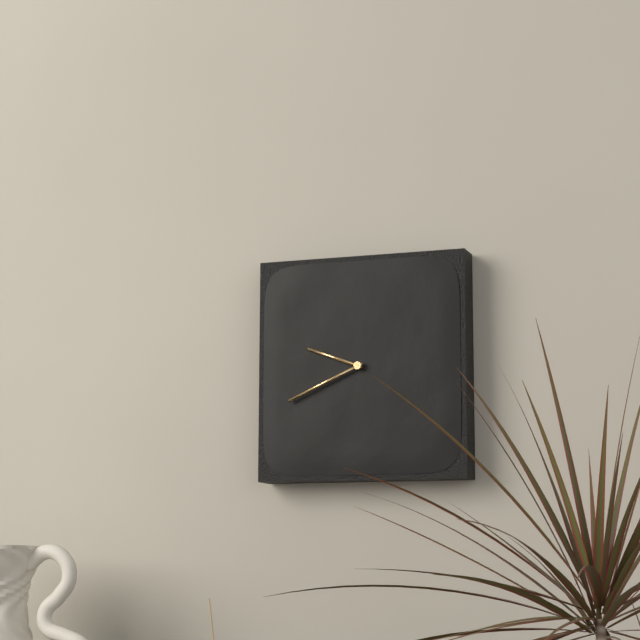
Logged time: 9 h 41 min
